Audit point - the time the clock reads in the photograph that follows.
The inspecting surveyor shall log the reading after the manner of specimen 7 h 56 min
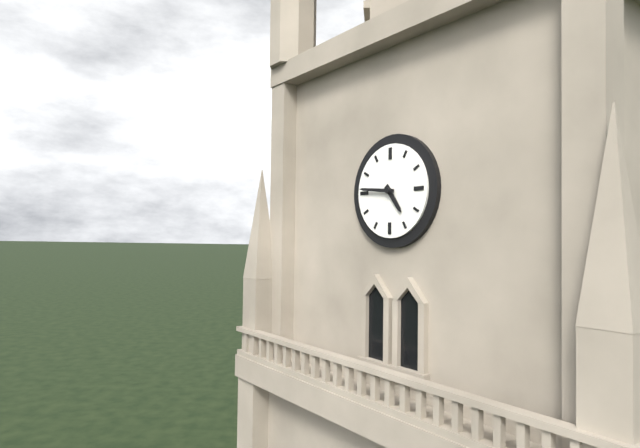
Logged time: 4 h 46 min
